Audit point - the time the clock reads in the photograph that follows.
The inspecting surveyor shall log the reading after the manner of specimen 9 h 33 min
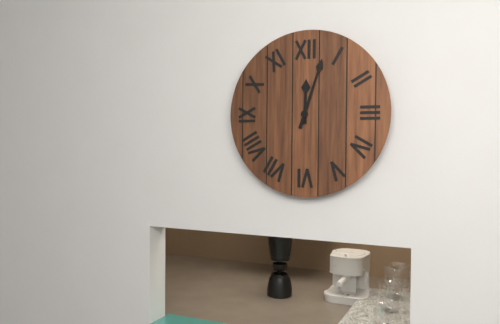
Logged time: 12 h 03 min
